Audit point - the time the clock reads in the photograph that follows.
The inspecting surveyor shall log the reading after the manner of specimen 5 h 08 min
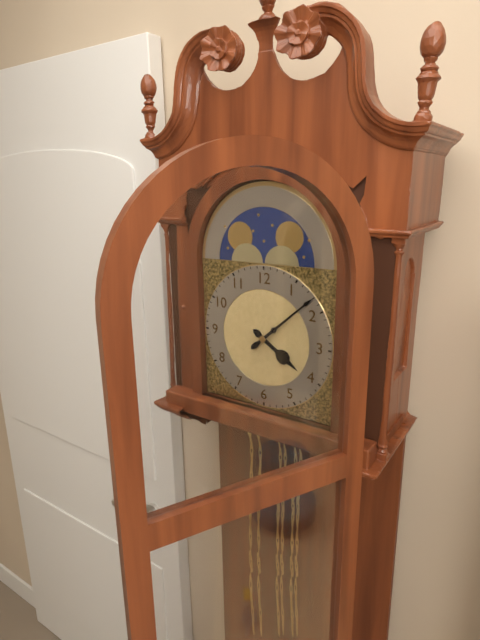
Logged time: 4 h 08 min
